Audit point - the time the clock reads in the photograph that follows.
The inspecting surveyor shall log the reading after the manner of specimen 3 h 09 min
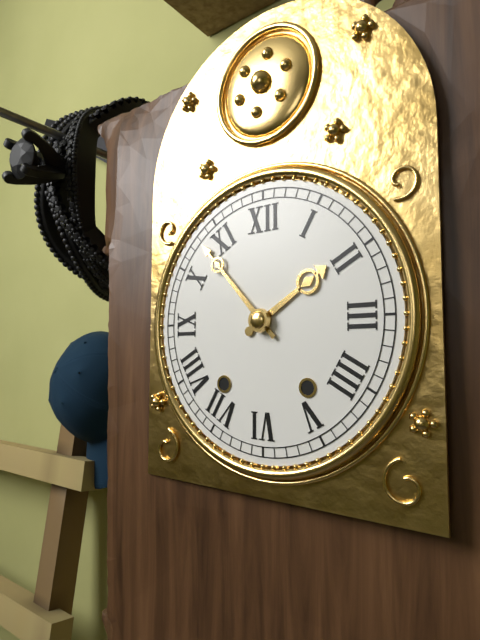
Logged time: 1 h 53 min
